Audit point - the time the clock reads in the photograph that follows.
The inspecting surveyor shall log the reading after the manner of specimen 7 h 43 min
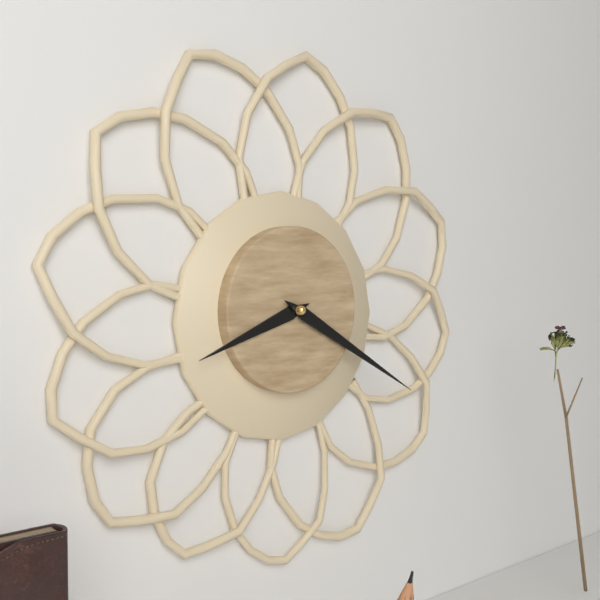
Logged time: 8 h 20 min
